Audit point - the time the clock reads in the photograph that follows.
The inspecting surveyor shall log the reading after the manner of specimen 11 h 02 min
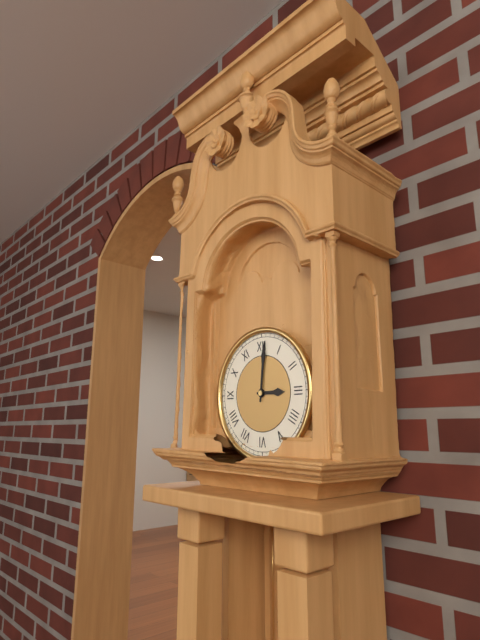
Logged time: 3 h 01 min
